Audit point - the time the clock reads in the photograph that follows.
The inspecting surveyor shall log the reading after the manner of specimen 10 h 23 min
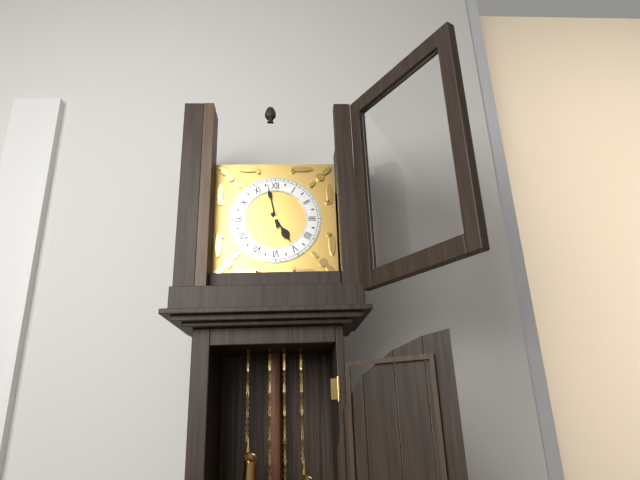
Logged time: 4 h 58 min
